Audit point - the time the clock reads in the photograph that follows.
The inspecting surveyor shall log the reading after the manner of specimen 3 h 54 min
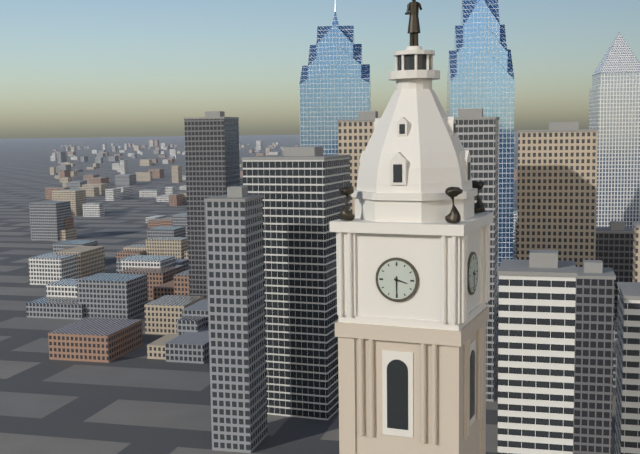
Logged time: 3 h 30 min
